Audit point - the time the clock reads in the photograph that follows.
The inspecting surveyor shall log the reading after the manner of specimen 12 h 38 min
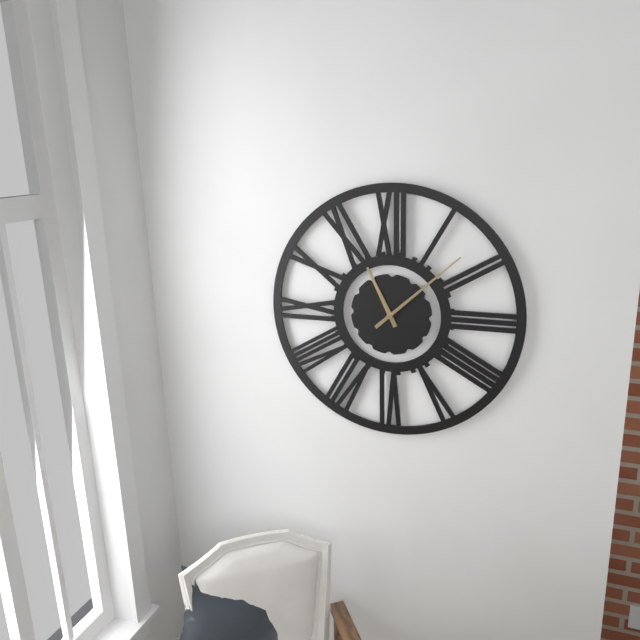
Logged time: 11 h 08 min
